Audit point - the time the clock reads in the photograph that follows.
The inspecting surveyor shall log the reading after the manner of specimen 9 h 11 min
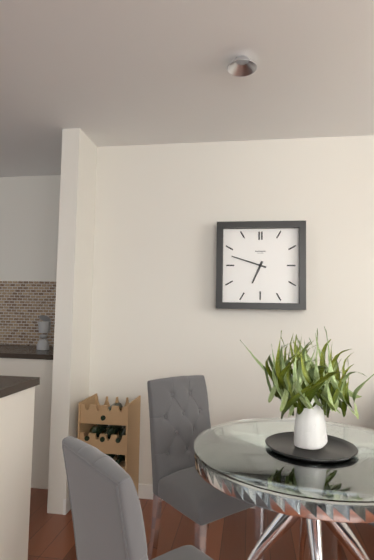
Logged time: 6 h 48 min
